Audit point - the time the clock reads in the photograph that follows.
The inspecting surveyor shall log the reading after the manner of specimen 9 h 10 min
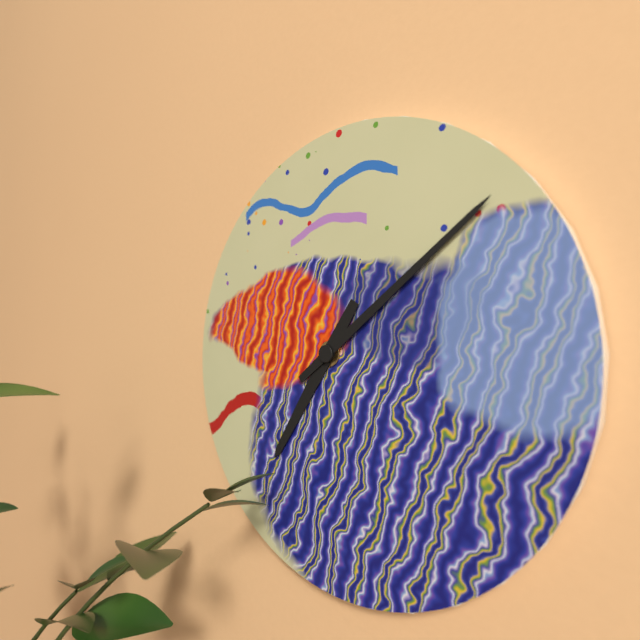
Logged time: 7 h 09 min
